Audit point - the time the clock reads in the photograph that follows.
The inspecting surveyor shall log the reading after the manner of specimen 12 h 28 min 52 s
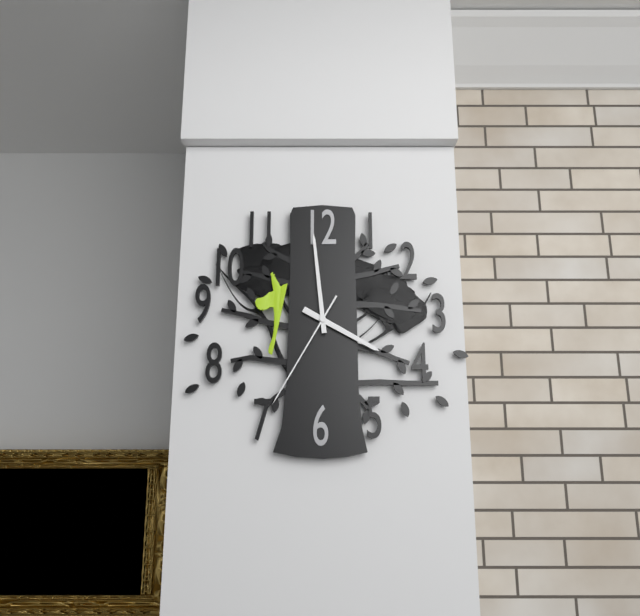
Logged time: 3 h 59 min 35 s
